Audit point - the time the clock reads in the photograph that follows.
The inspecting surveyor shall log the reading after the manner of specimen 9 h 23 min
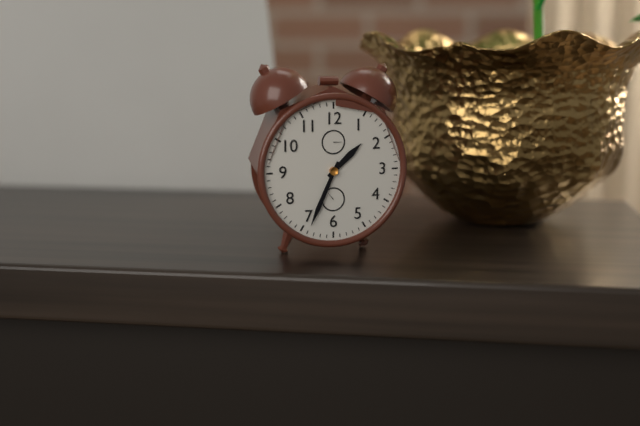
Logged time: 1 h 34 min
